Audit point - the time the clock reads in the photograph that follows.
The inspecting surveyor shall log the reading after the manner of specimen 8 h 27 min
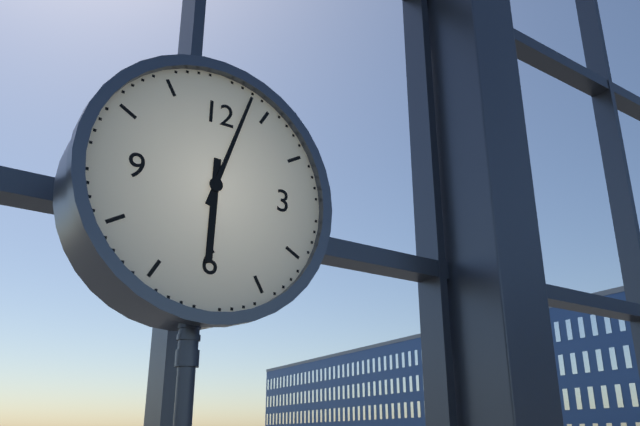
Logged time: 6 h 03 min
